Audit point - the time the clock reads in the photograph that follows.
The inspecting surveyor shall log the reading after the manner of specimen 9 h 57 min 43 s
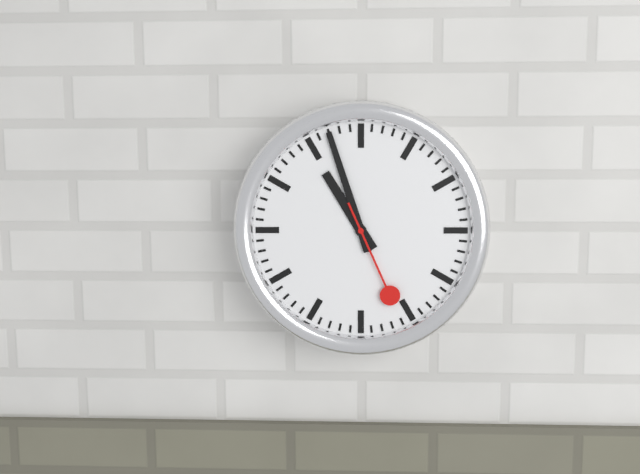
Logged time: 10 h 57 min 26 s
